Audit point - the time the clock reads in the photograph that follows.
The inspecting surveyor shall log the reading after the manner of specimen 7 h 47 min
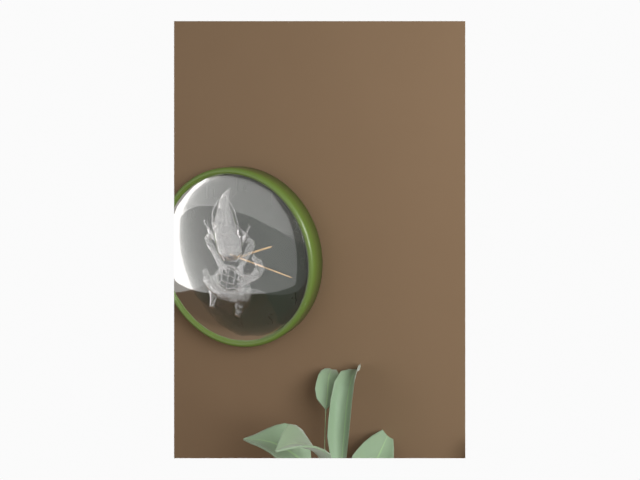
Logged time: 2 h 17 min
